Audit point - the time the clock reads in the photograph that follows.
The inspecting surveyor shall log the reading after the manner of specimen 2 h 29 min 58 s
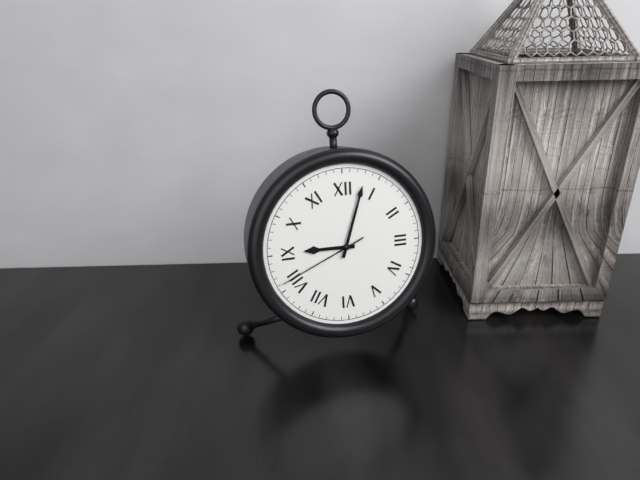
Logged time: 9 h 03 min 41 s
